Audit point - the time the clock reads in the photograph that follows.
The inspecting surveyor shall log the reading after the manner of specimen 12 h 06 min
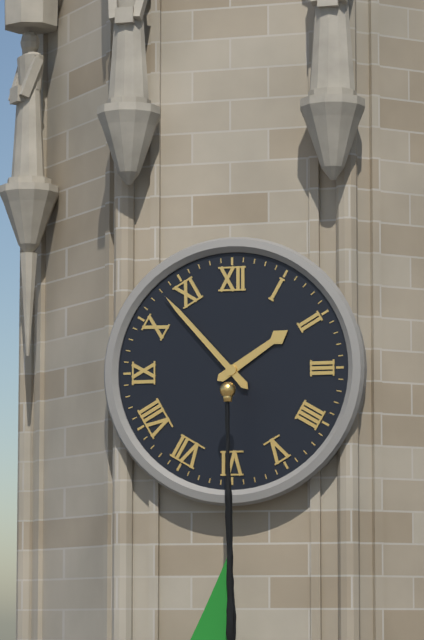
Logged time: 1 h 53 min
